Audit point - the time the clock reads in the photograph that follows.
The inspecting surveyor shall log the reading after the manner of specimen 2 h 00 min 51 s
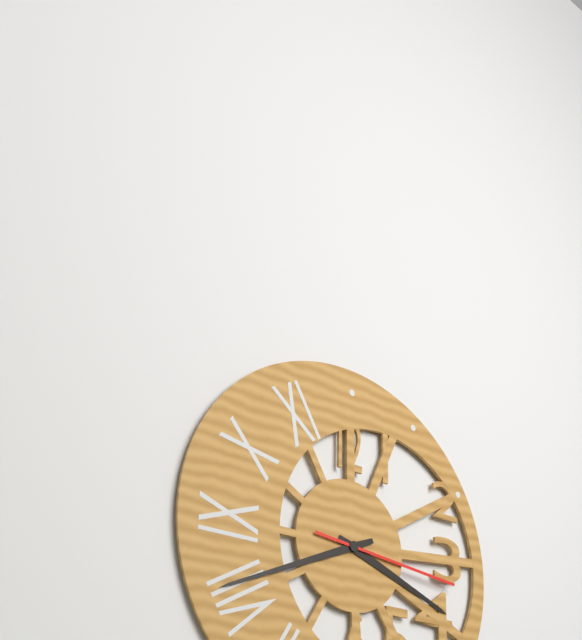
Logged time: 3 h 41 min 16 s
